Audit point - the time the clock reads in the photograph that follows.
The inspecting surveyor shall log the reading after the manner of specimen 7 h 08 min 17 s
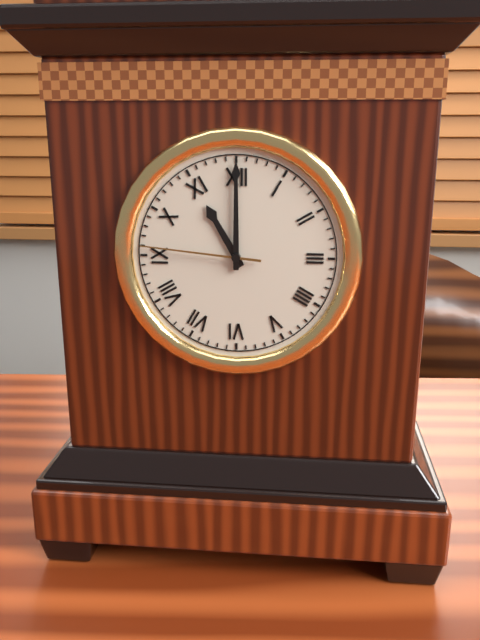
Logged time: 11 h 00 min 46 s
